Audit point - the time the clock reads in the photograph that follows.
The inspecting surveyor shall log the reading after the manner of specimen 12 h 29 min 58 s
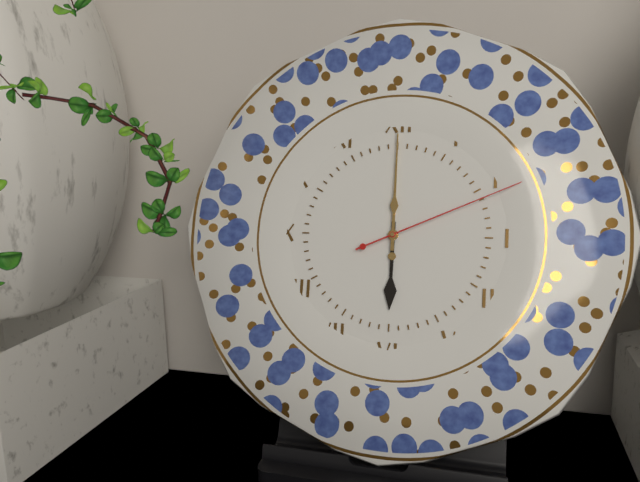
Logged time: 6 h 00 min 11 s
